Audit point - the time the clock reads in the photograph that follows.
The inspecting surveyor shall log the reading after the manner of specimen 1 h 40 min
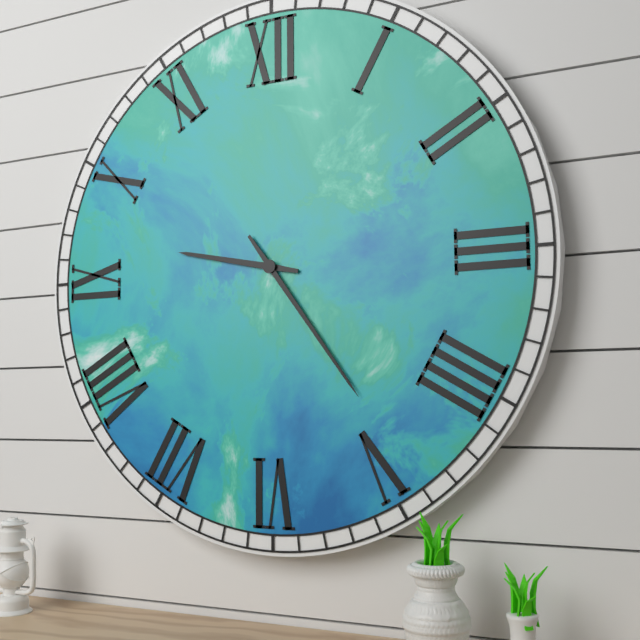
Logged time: 9 h 24 min
